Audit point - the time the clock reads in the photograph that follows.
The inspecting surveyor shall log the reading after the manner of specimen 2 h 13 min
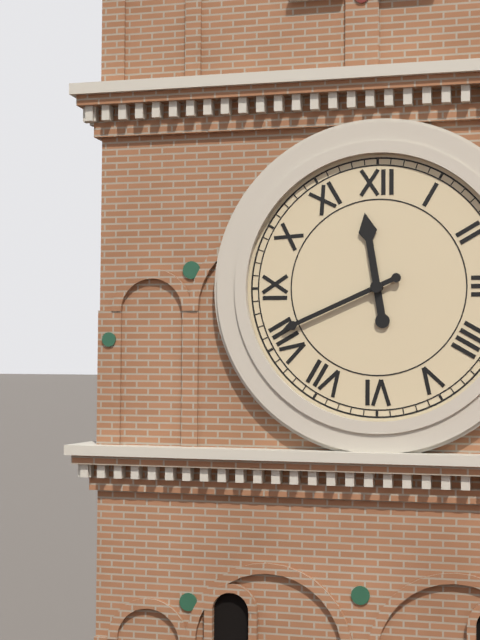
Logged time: 11 h 41 min
